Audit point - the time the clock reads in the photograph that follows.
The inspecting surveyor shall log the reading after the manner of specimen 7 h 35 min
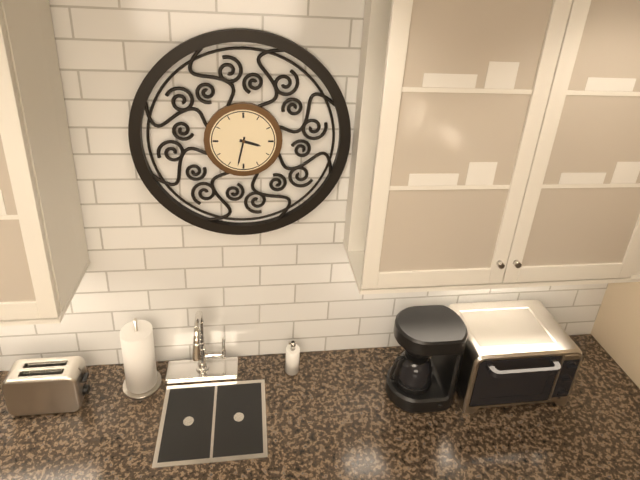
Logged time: 3 h 32 min
